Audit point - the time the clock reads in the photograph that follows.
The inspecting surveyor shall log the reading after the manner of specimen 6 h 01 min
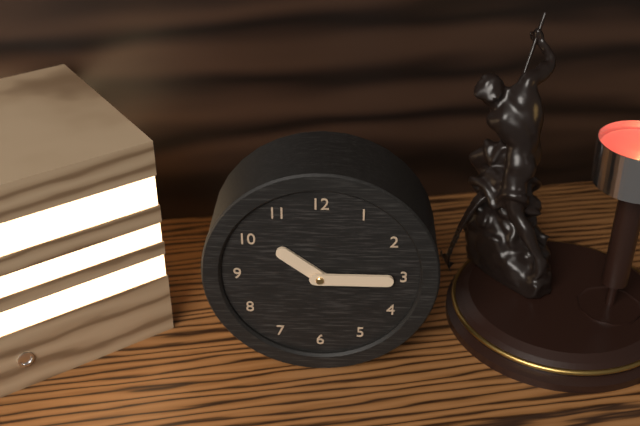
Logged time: 10 h 15 min
